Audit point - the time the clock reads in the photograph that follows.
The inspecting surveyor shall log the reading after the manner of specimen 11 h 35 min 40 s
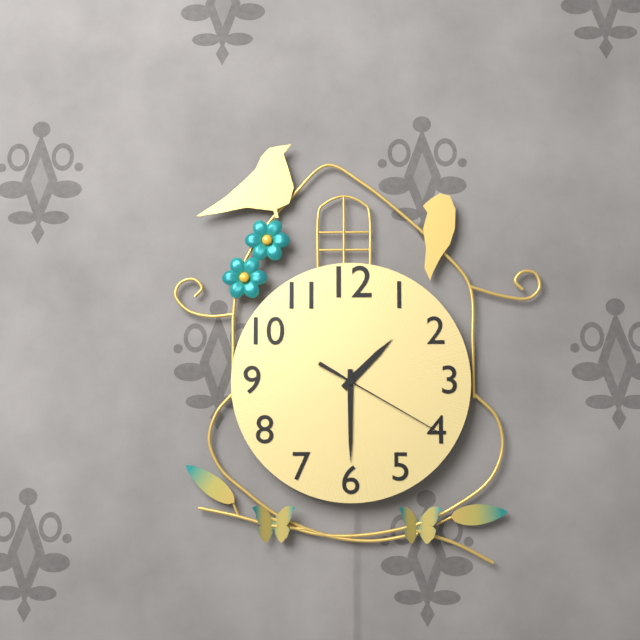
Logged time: 1 h 30 min 20 s
